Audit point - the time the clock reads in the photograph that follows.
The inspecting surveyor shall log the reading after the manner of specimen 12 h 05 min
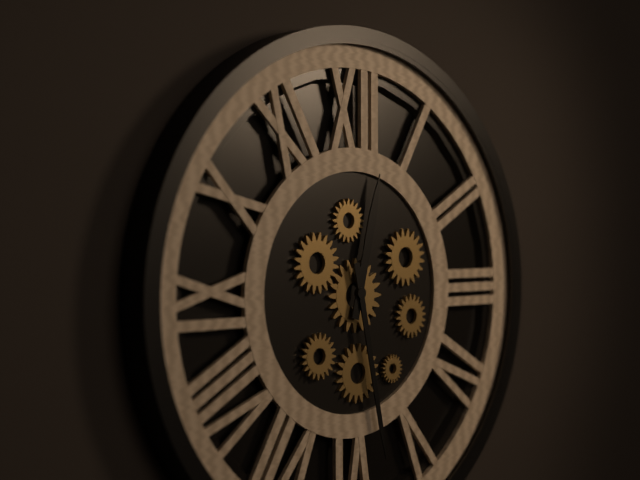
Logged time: 12 h 28 min
